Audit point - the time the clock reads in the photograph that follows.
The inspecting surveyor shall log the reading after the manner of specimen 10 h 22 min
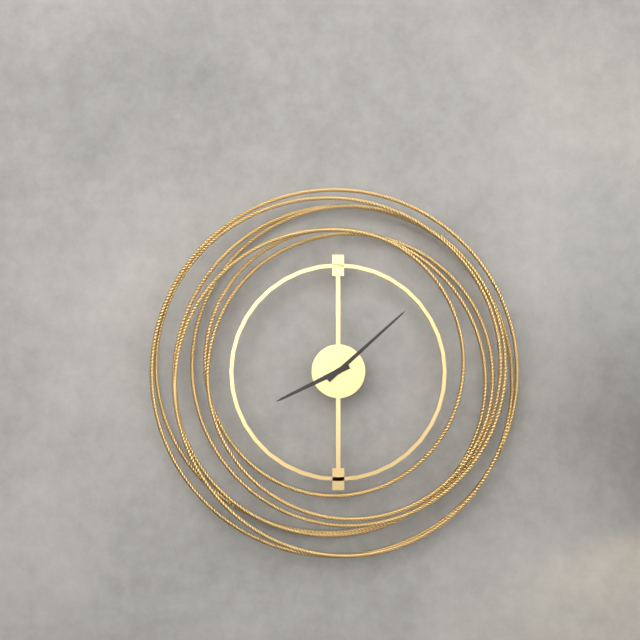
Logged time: 8 h 08 min
